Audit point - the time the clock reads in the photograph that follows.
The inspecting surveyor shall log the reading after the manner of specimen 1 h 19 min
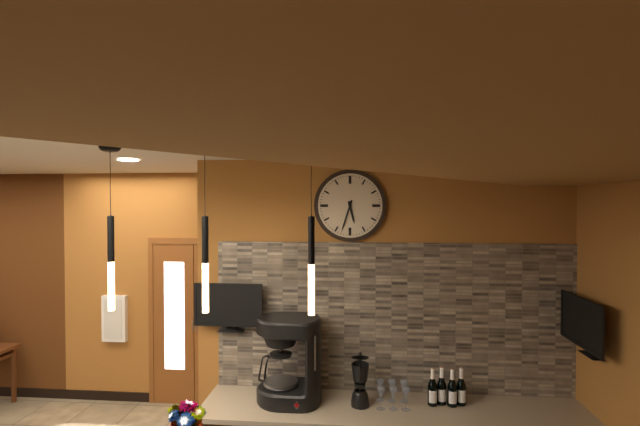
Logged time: 5 h 33 min
